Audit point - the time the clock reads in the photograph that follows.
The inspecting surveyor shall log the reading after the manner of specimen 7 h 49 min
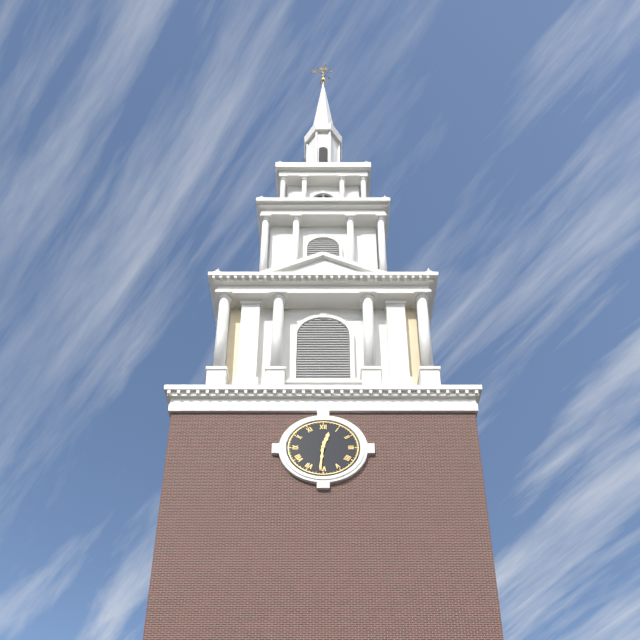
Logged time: 12 h 31 min
